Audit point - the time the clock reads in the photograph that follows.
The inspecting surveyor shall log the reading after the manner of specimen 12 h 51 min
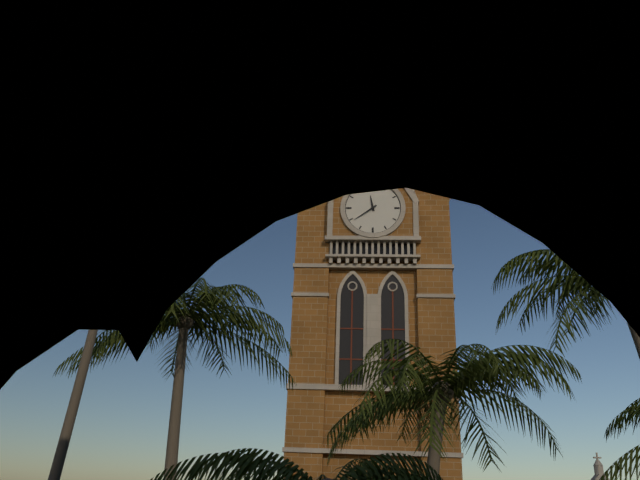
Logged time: 11 h 39 min
